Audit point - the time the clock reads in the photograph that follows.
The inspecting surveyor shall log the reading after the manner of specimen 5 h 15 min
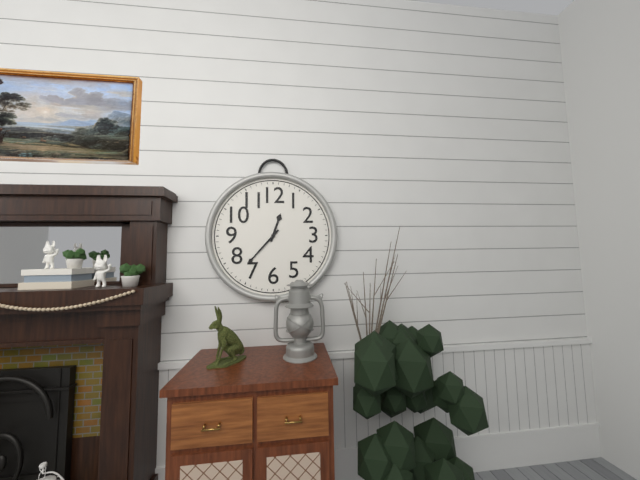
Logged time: 12 h 37 min
